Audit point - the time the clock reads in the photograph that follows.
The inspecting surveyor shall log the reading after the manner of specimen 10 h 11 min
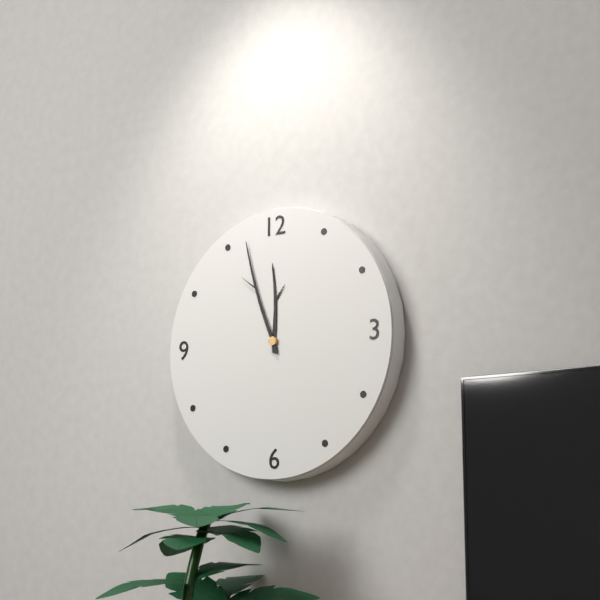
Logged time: 11 h 57 min
